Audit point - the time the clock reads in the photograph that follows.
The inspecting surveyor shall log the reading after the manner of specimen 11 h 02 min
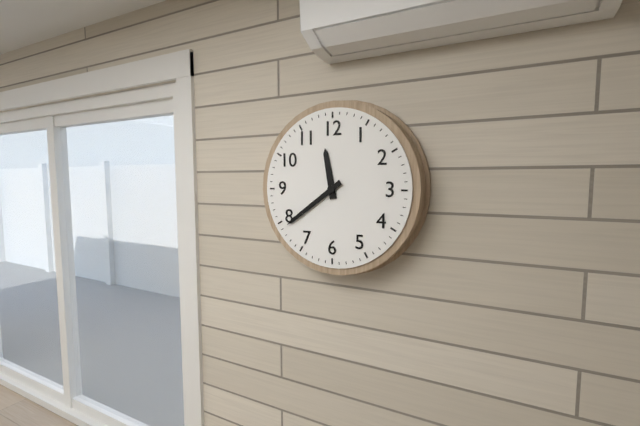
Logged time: 11 h 39 min
